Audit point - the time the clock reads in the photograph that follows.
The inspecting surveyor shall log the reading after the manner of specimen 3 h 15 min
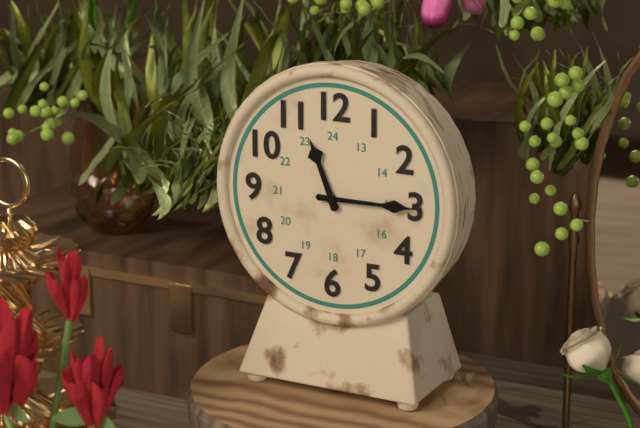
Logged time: 11 h 15 min
